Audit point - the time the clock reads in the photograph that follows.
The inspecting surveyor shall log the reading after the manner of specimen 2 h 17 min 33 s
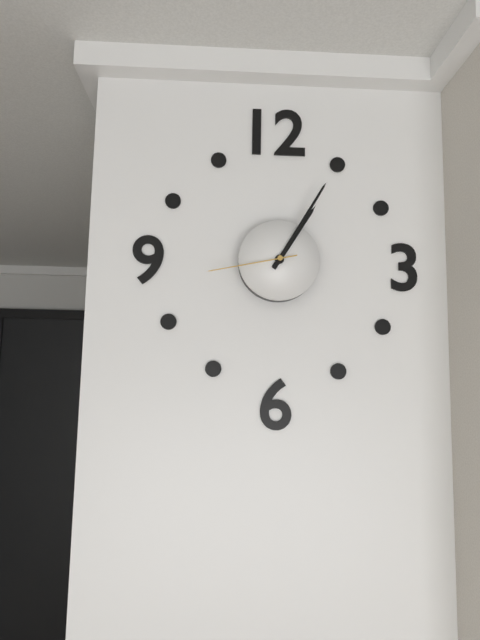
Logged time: 1 h 05 min 43 s
